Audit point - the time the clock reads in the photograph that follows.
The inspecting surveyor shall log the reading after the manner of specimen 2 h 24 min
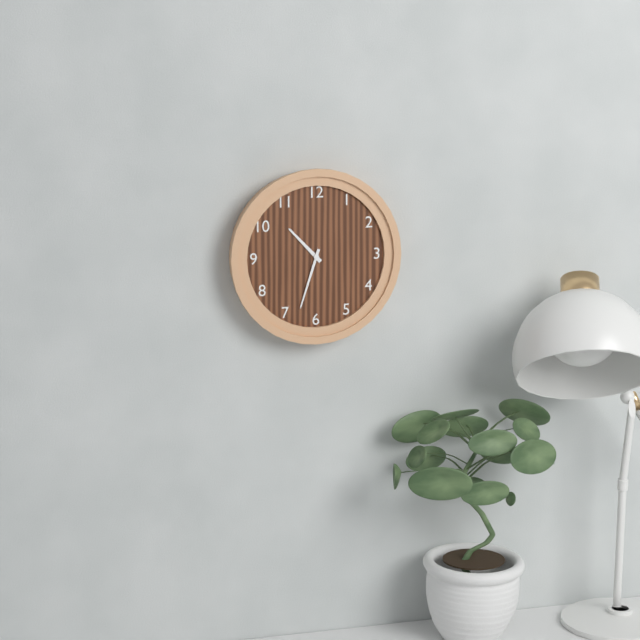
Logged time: 10 h 33 min
